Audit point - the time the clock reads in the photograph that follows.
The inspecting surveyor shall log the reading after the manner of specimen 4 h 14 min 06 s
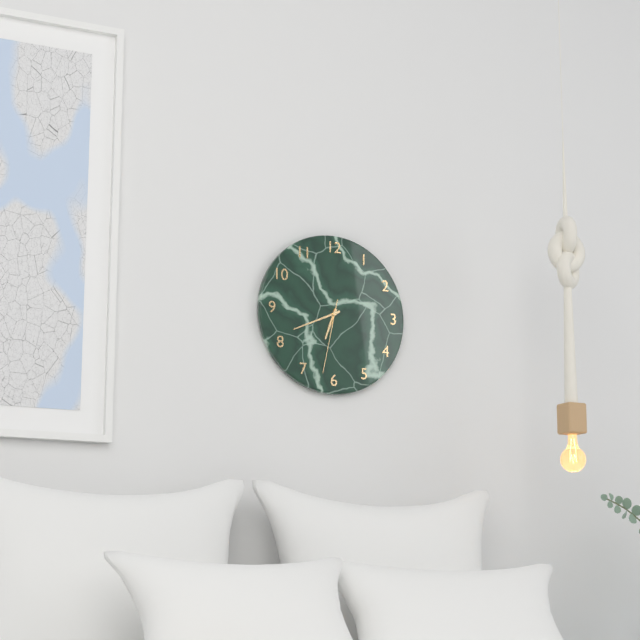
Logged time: 6 h 41 min 32 s
